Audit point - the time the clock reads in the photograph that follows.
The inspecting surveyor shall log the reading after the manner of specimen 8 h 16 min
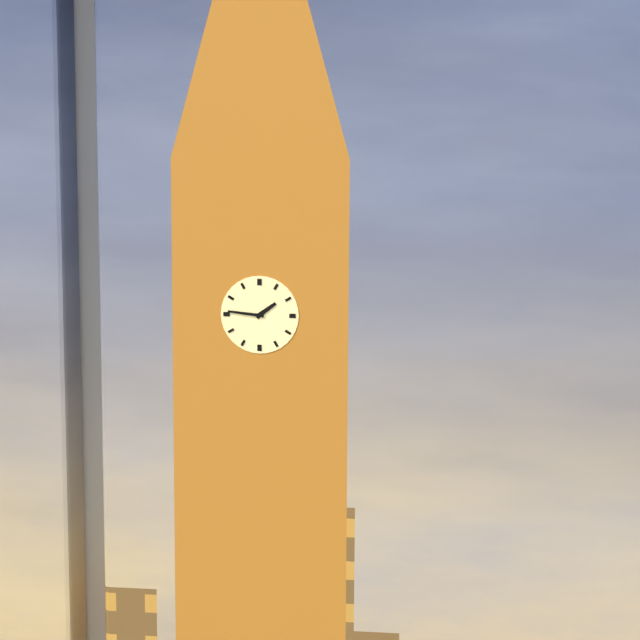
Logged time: 1 h 46 min
